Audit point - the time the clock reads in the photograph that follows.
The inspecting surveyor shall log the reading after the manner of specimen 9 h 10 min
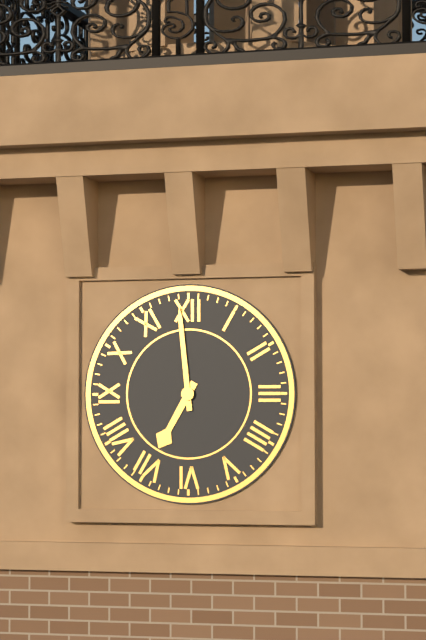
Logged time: 6 h 59 min
